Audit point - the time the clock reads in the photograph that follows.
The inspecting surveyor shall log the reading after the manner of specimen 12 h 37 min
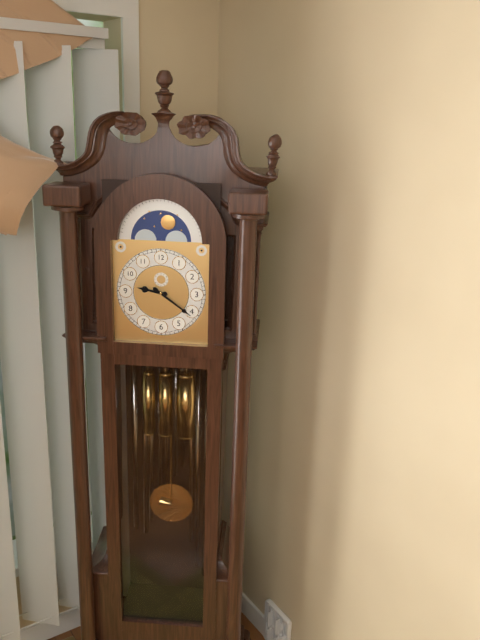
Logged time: 9 h 21 min
